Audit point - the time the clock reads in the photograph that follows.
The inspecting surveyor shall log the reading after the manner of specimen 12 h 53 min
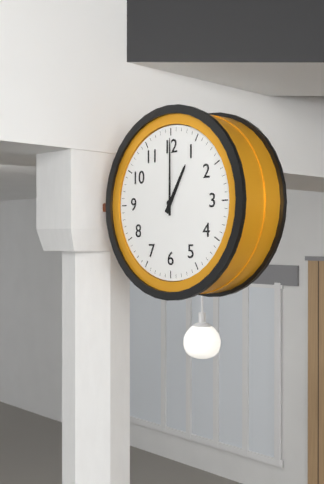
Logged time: 1 h 00 min
